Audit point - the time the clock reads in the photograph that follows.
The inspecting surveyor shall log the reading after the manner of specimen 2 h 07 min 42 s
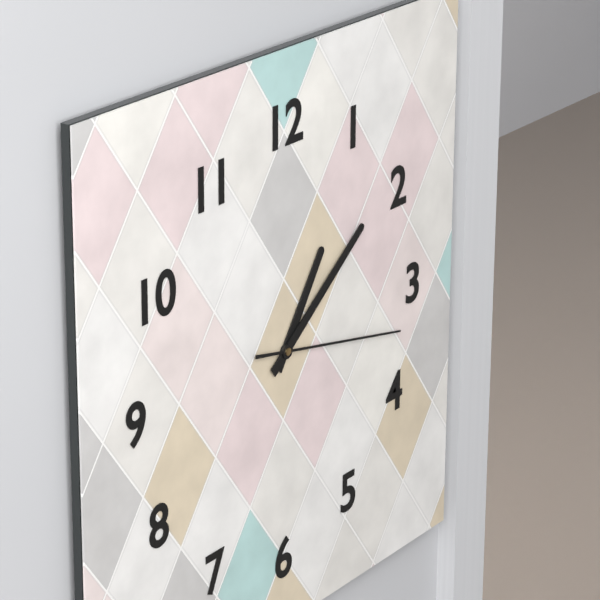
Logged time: 1 h 09 min 17 s
